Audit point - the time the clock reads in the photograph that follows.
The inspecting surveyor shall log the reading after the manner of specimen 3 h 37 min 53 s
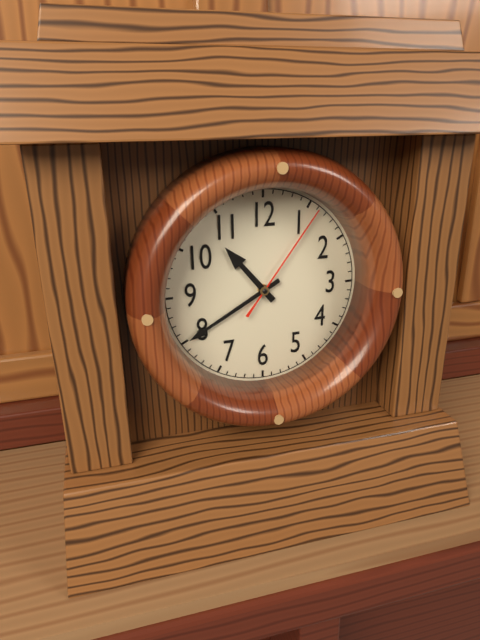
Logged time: 10 h 40 min 06 s
